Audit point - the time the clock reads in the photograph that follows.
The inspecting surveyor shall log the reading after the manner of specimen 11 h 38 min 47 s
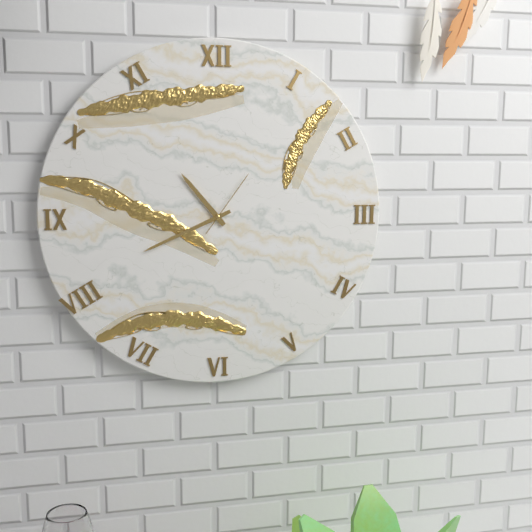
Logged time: 10 h 41 min 06 s
